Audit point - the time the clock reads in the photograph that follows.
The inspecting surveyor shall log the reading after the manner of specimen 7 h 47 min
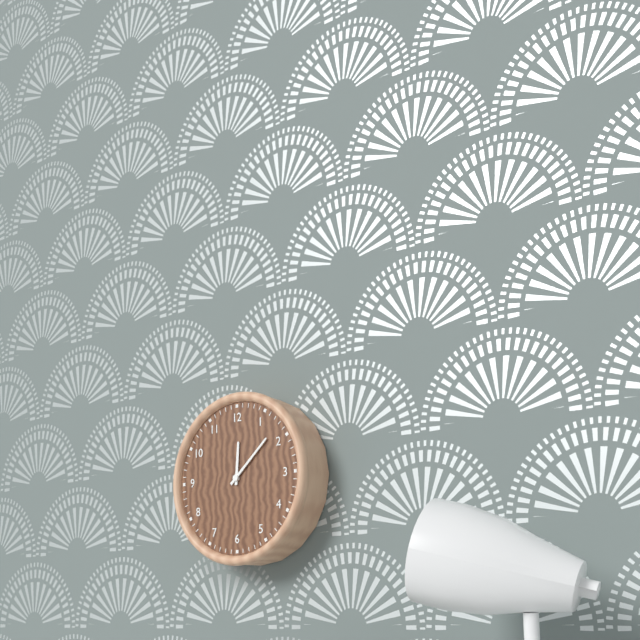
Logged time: 12 h 08 min
